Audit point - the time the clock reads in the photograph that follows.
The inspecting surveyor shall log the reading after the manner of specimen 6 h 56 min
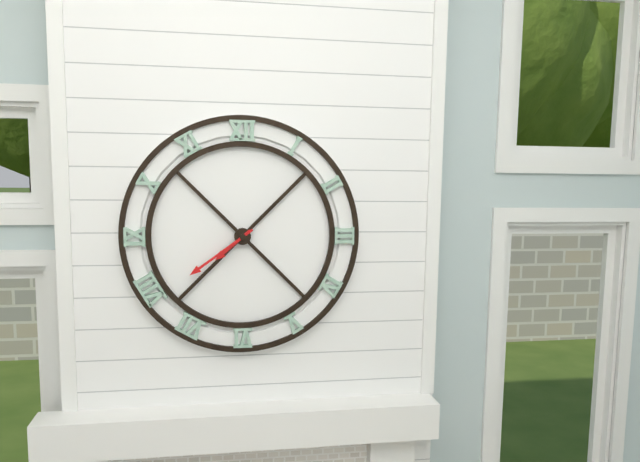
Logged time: 7 h 39 min
